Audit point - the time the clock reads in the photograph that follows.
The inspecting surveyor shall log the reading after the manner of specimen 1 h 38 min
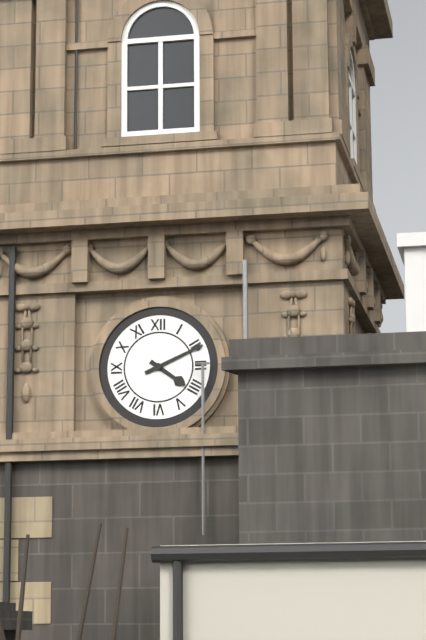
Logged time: 4 h 11 min
